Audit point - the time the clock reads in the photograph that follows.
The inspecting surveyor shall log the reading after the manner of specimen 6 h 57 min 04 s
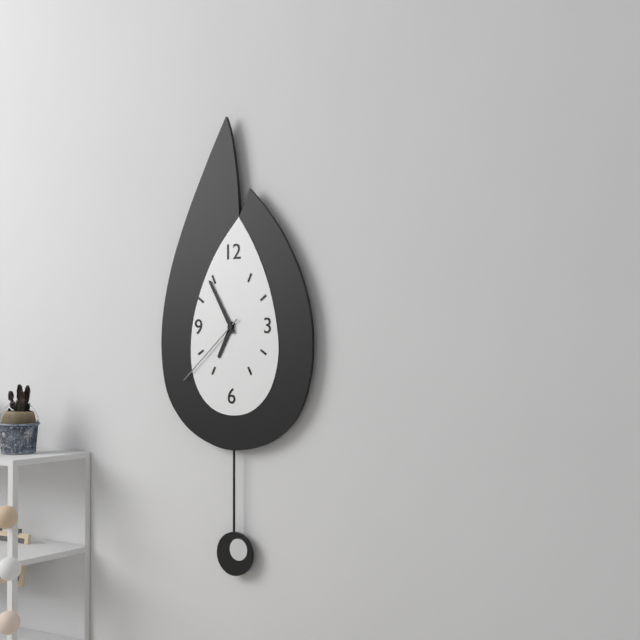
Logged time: 6 h 55 min 38 s
